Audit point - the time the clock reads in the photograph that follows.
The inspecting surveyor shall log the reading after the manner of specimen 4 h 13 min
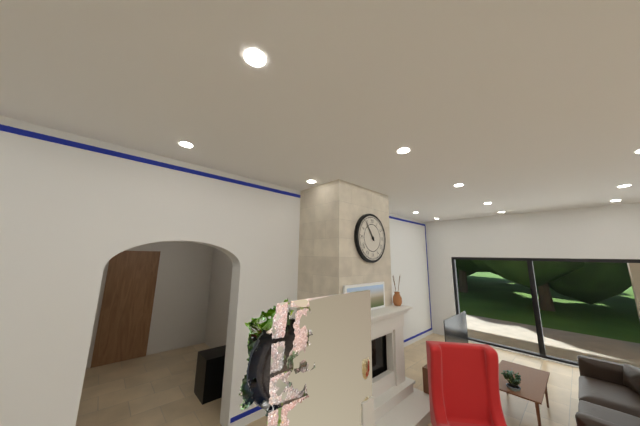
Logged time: 10 h 54 min
